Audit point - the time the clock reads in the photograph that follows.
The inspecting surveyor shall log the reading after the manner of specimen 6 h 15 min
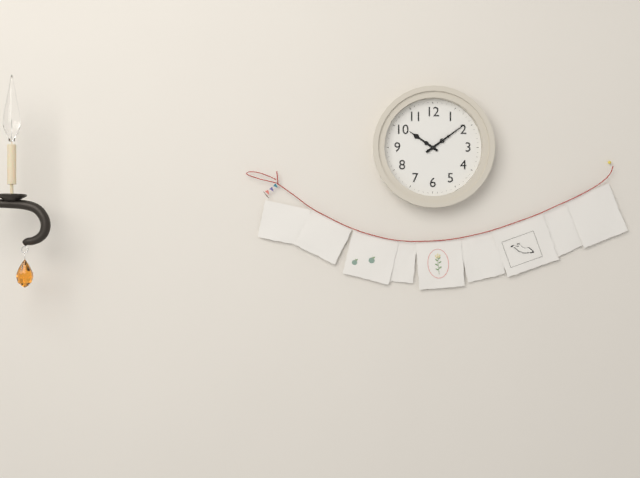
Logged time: 10 h 09 min
